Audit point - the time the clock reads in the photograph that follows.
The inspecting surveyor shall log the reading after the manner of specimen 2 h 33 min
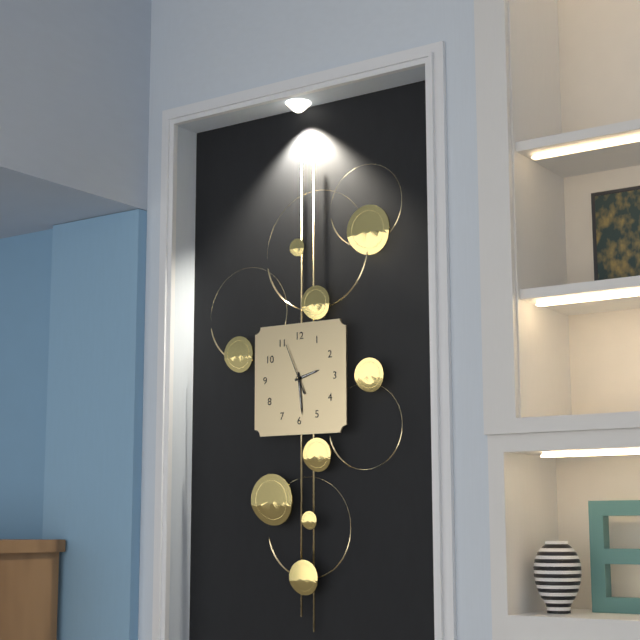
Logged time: 2 h 29 min
